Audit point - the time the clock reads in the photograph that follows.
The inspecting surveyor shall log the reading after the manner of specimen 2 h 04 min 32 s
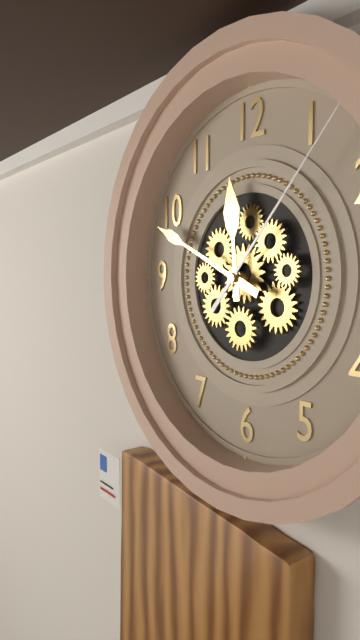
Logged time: 11 h 49 min 07 s
